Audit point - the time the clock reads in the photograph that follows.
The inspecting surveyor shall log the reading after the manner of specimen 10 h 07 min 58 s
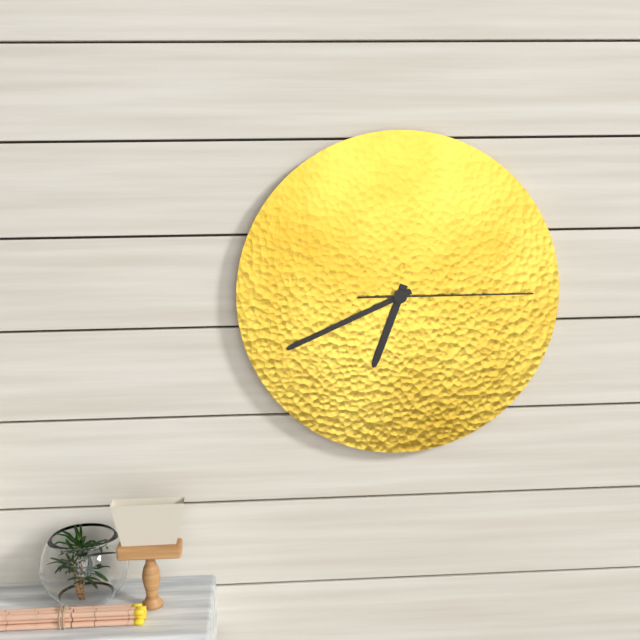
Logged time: 6 h 41 min 15 s
